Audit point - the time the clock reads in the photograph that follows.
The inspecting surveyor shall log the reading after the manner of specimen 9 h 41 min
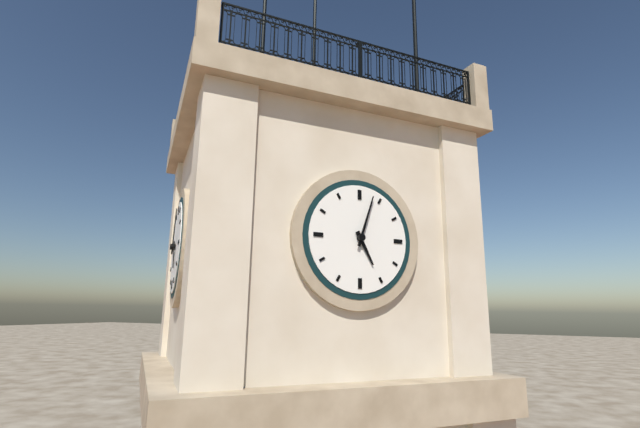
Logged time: 5 h 03 min
